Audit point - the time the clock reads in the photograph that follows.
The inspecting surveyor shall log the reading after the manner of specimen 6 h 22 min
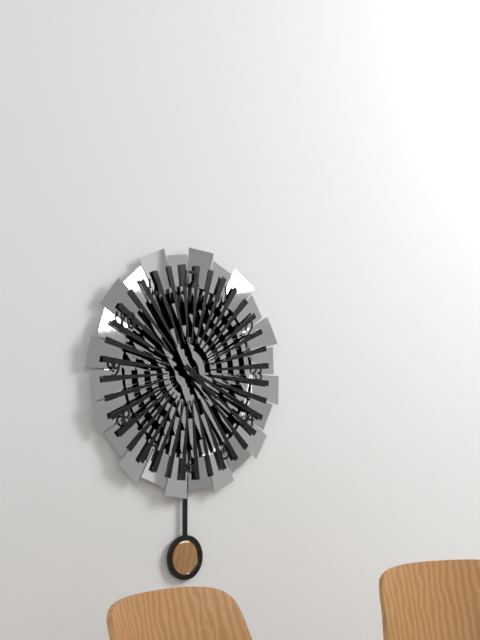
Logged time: 4 h 19 min
